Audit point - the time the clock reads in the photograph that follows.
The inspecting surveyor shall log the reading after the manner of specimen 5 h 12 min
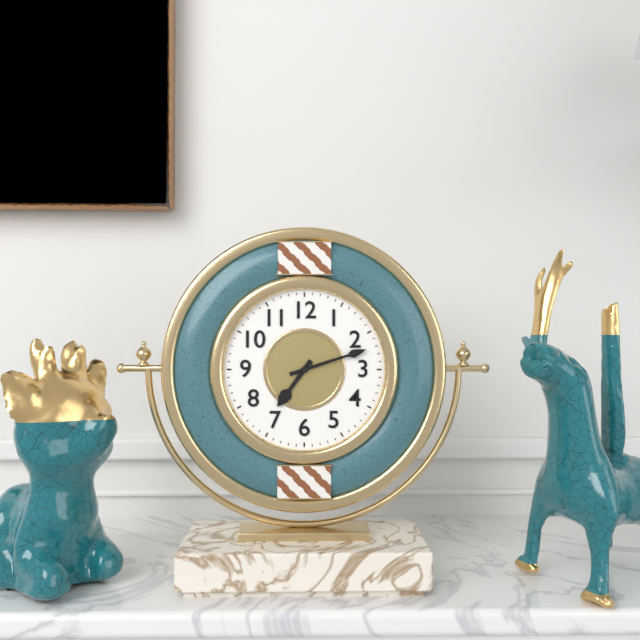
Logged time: 7 h 12 min
